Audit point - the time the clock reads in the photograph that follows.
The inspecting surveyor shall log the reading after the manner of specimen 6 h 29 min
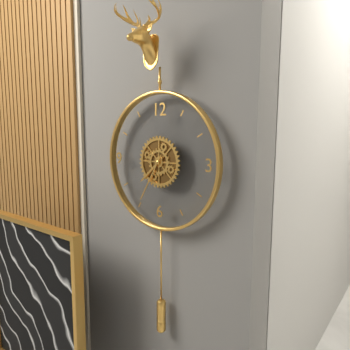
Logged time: 7 h 35 min
